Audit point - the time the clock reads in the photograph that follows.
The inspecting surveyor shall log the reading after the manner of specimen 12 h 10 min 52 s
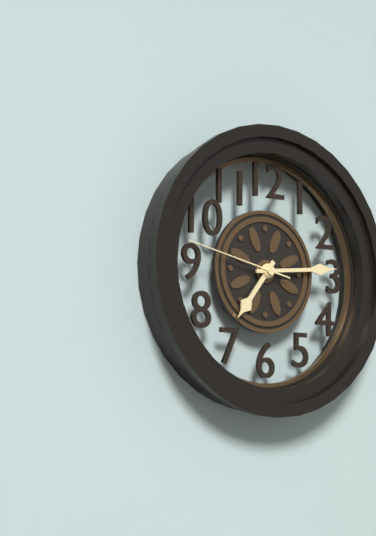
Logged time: 7 h 14 min 47 s
